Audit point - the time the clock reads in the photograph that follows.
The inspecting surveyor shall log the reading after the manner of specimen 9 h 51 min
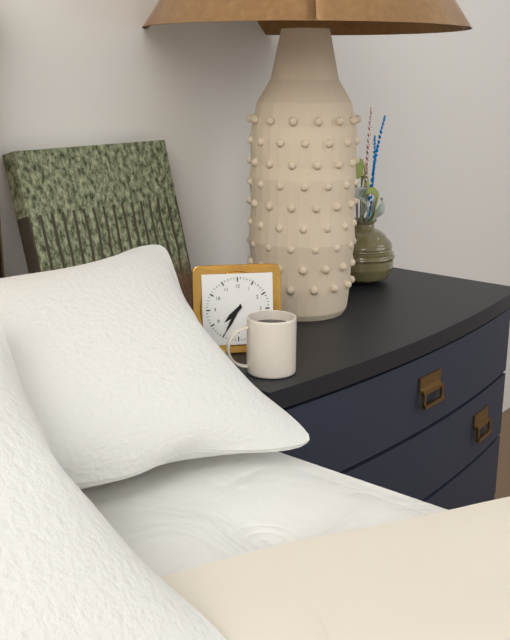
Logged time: 7 h 35 min
